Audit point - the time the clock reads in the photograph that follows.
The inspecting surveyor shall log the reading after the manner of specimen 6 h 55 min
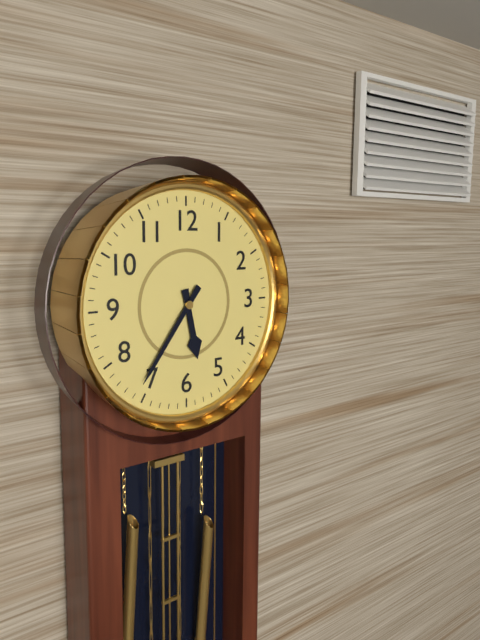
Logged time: 5 h 36 min
